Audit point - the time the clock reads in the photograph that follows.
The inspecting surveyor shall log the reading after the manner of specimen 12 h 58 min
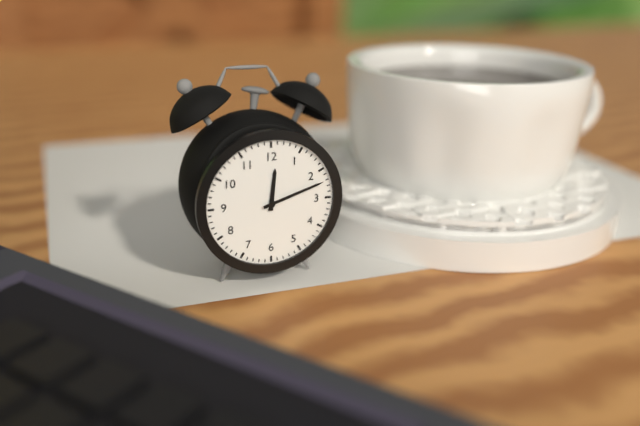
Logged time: 12 h 12 min
